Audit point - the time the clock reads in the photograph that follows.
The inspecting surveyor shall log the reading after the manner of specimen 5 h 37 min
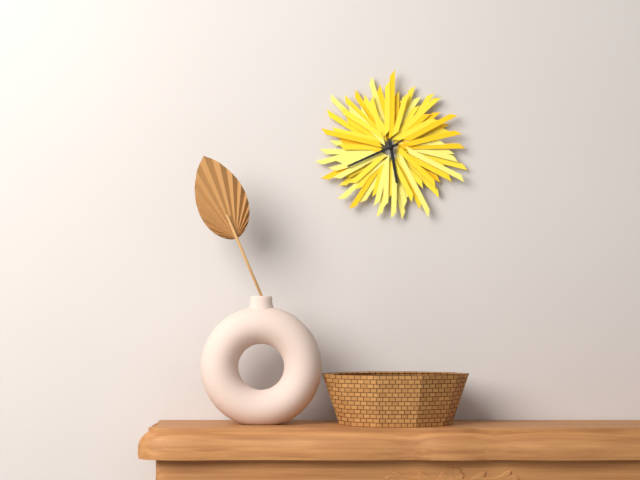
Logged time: 5 h 41 min
